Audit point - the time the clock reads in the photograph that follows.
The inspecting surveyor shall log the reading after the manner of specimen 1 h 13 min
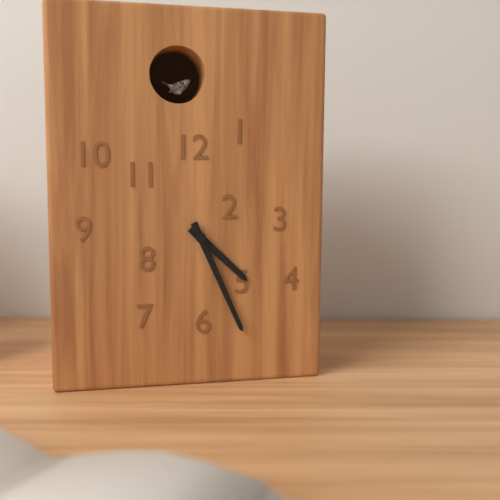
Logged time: 4 h 26 min
